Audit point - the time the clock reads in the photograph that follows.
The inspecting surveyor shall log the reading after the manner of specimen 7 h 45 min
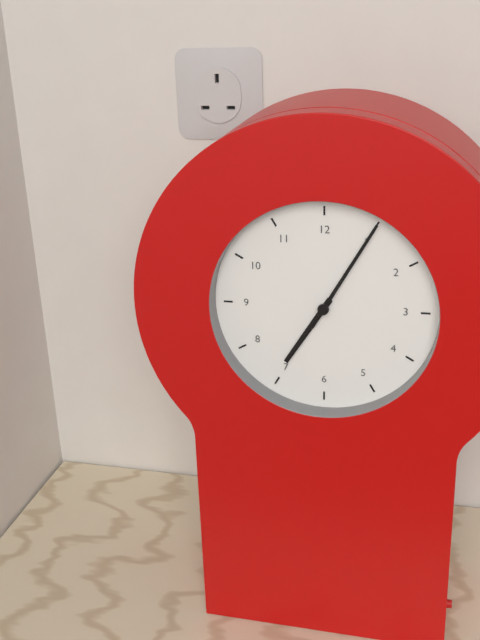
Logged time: 7 h 05 min
